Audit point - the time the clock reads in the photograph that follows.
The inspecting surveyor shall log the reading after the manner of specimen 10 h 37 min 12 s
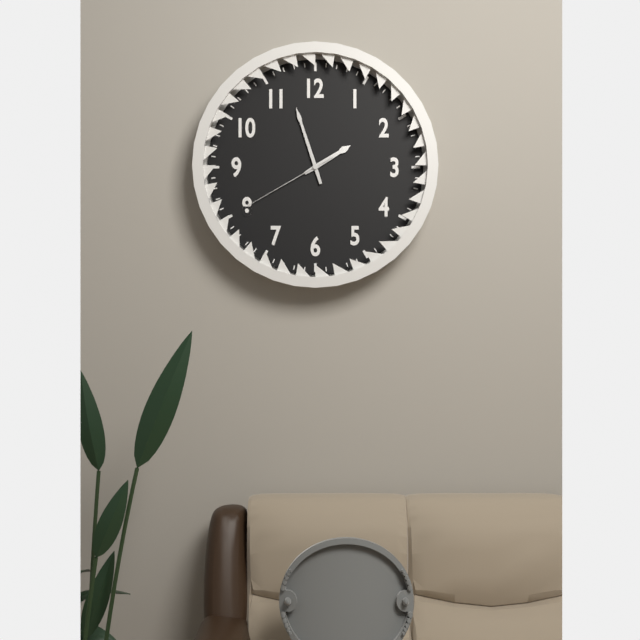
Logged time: 1 h 57 min 40 s
